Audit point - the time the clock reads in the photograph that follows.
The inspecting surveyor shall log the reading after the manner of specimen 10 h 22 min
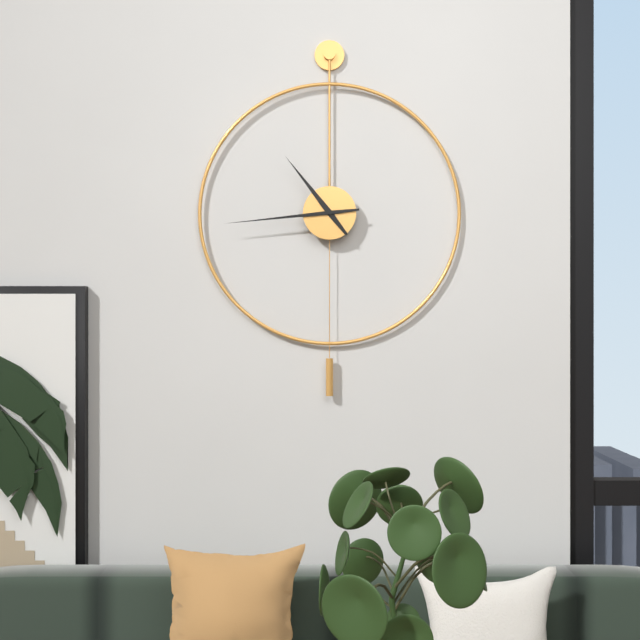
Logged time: 10 h 44 min
